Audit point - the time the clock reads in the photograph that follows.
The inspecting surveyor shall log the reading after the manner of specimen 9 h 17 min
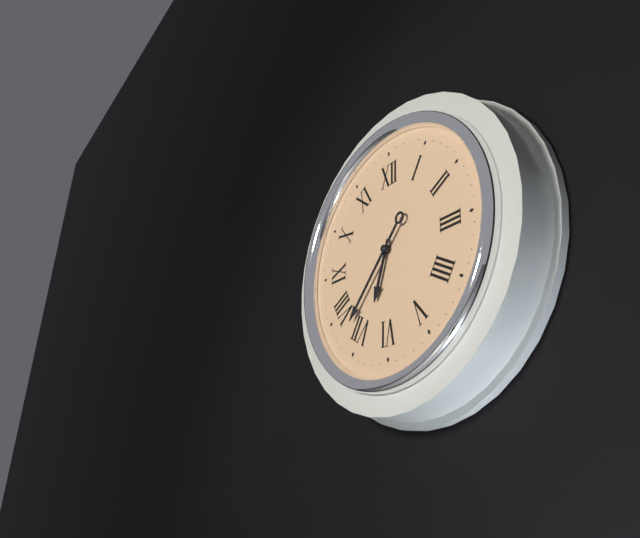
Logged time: 6 h 37 min
